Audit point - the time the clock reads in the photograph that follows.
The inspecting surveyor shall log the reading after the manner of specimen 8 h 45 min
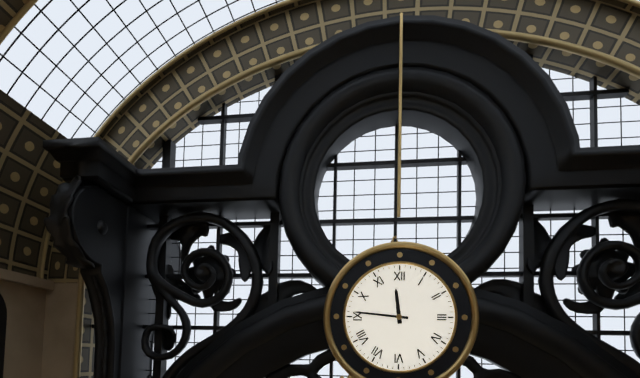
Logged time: 11 h 46 min
